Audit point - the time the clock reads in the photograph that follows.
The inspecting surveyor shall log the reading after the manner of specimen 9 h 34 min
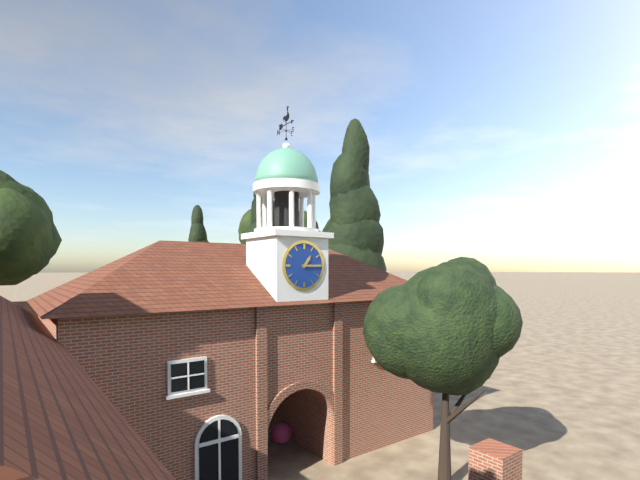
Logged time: 1 h 15 min
